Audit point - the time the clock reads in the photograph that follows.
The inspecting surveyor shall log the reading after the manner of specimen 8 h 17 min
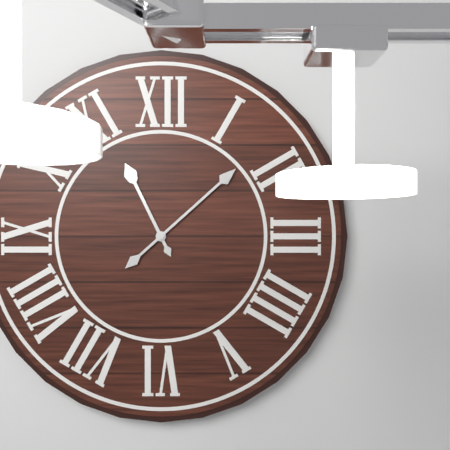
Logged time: 11 h 08 min
